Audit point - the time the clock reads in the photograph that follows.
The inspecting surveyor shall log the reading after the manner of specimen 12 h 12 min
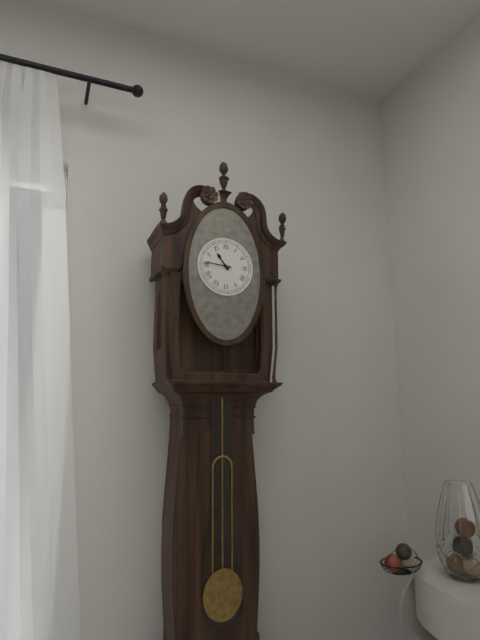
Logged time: 10 h 46 min
